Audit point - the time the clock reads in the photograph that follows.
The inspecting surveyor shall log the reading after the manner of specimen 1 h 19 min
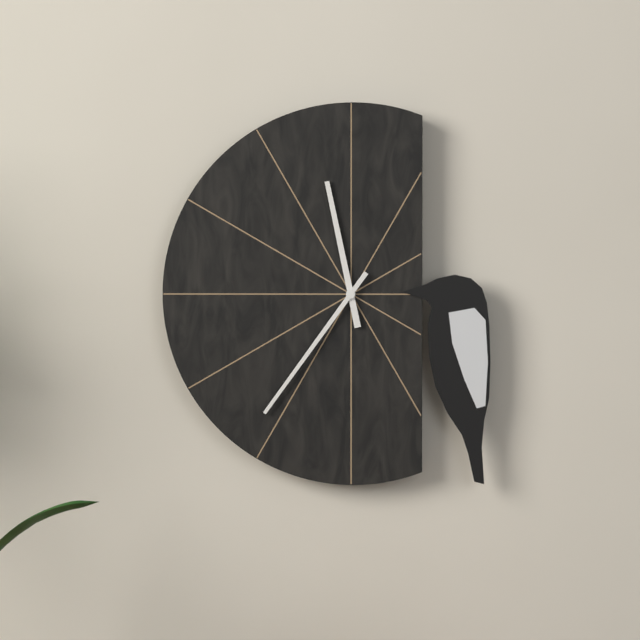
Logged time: 11 h 36 min
